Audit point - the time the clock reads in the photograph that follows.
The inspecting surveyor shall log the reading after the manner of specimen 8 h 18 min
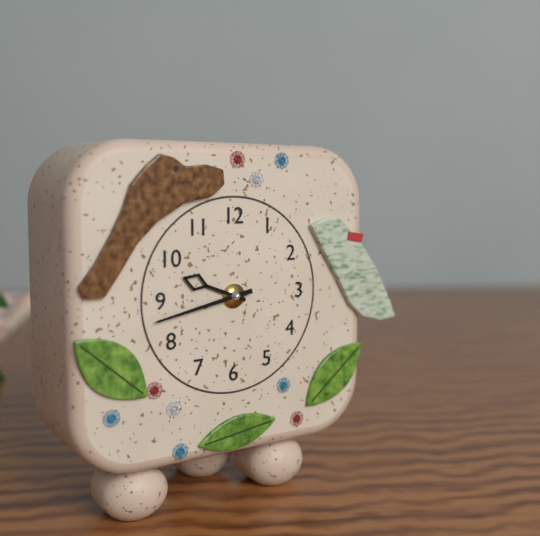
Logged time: 9 h 43 min
